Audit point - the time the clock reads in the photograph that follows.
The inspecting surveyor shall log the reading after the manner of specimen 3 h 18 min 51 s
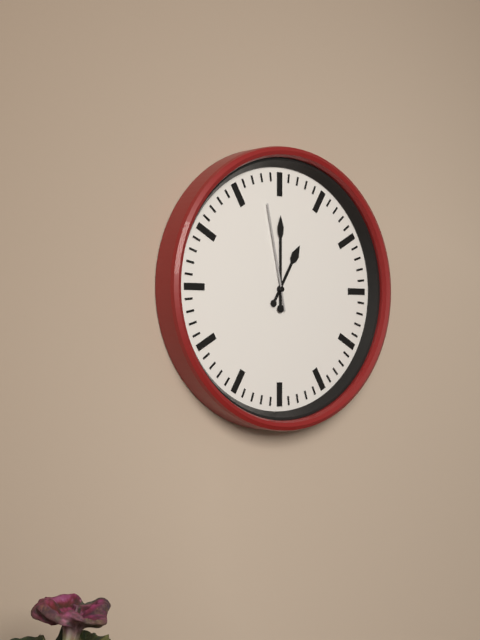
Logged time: 1 h 00 min 58 s
